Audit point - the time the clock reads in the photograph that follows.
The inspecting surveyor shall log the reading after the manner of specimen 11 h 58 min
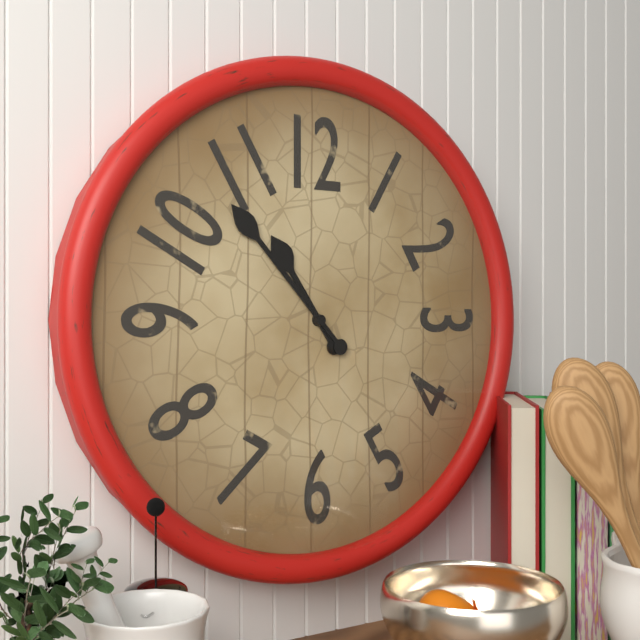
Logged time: 10 h 53 min
